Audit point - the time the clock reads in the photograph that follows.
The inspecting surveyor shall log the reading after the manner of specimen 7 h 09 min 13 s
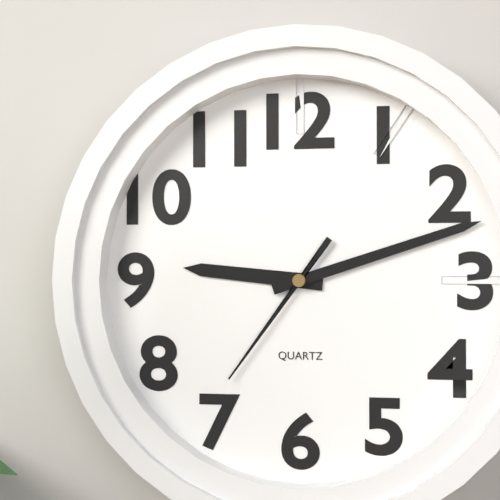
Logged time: 9 h 12 min 36 s
